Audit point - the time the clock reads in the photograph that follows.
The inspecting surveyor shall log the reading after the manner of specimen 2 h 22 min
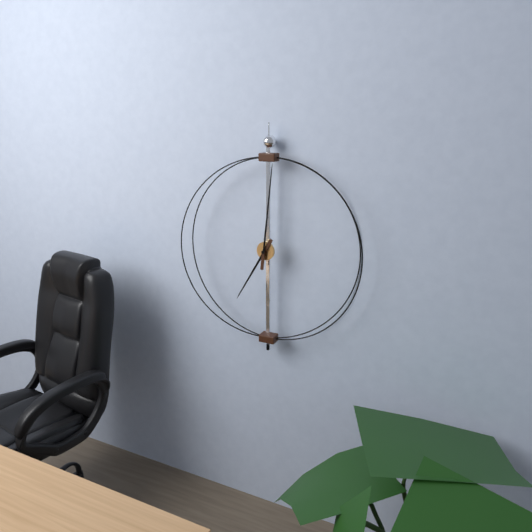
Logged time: 7 h 01 min
